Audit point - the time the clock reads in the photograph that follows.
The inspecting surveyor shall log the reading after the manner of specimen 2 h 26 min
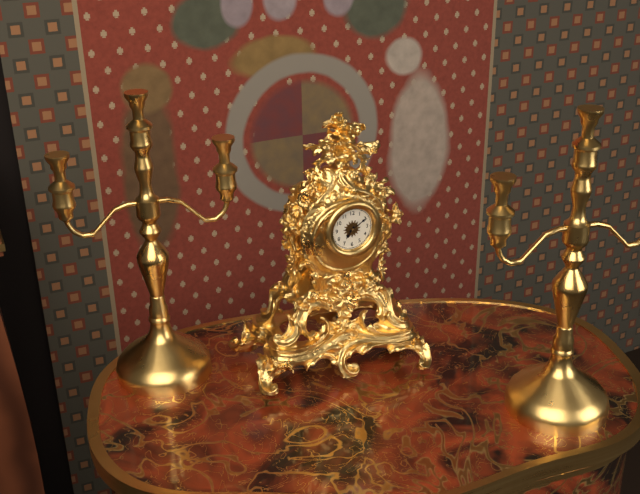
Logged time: 7 h 10 min
